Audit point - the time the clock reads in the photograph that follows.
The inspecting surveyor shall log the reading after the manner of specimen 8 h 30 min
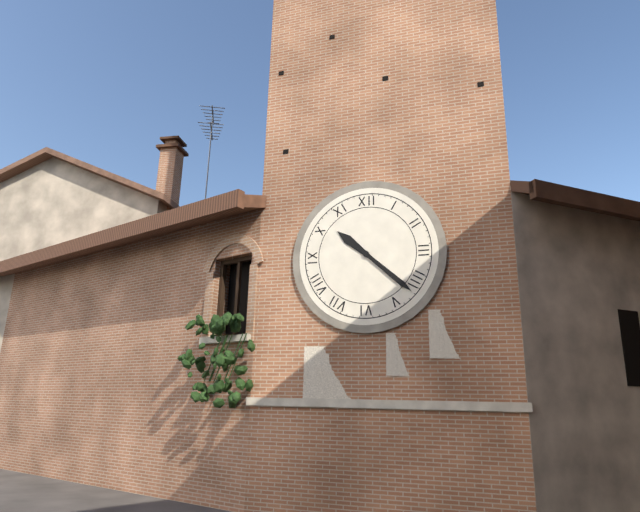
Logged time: 10 h 22 min
